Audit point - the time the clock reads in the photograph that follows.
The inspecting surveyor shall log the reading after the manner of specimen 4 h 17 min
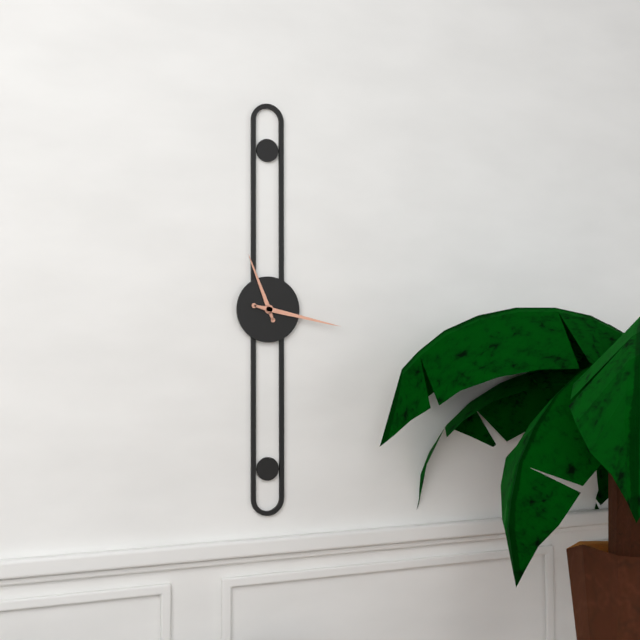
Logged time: 11 h 17 min
